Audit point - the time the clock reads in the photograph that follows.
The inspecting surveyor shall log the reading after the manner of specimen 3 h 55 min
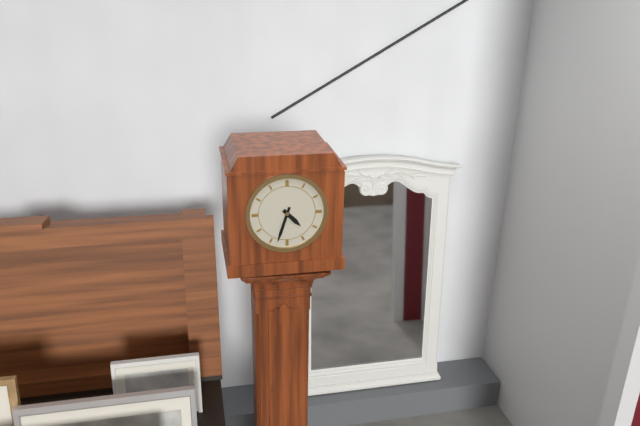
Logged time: 4 h 33 min
